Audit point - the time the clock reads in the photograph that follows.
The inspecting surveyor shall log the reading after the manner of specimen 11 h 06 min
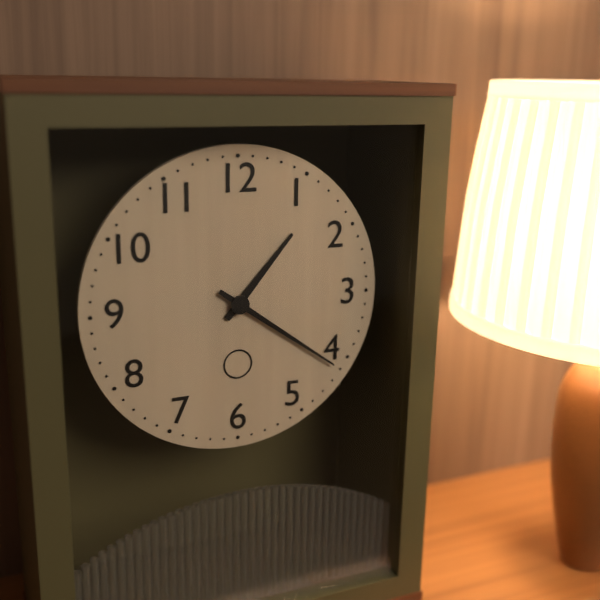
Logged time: 1 h 21 min
